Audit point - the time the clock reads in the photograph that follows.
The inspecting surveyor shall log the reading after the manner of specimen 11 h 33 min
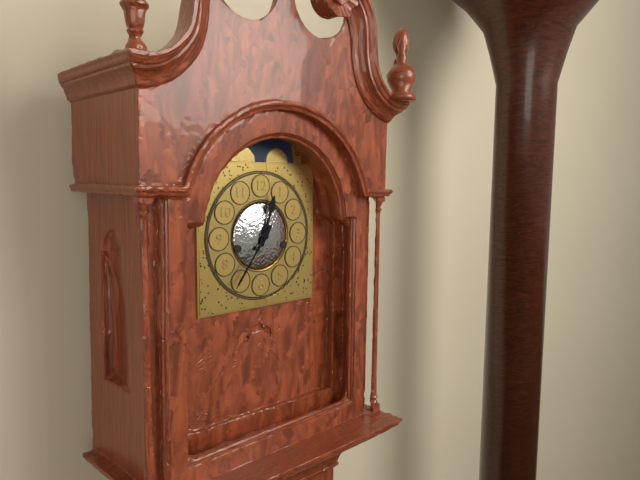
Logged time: 12 h 36 min
